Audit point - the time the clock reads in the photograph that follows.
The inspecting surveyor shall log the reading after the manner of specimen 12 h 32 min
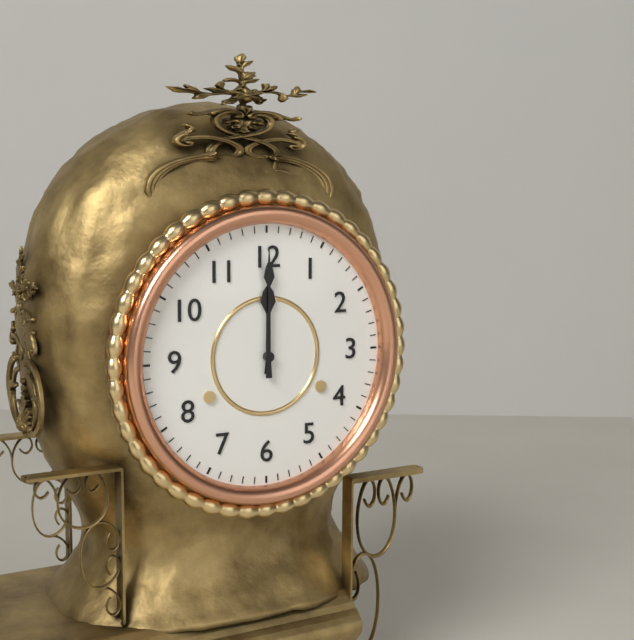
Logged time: 12 h 00 min
